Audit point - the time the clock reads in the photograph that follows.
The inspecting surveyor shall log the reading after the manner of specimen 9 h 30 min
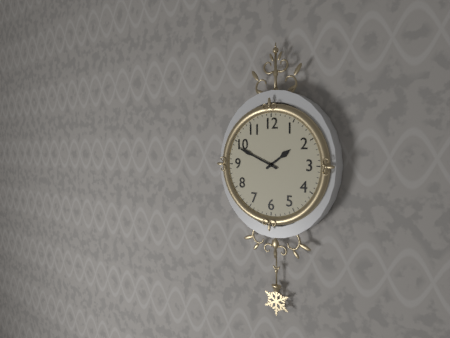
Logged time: 1 h 49 min
